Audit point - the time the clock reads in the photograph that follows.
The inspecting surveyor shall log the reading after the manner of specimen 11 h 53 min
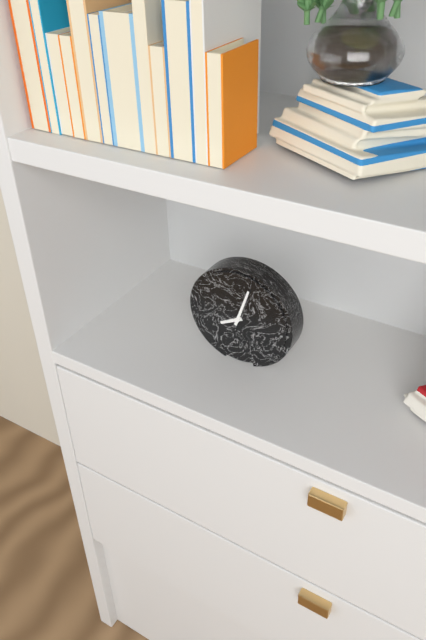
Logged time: 8 h 03 min
